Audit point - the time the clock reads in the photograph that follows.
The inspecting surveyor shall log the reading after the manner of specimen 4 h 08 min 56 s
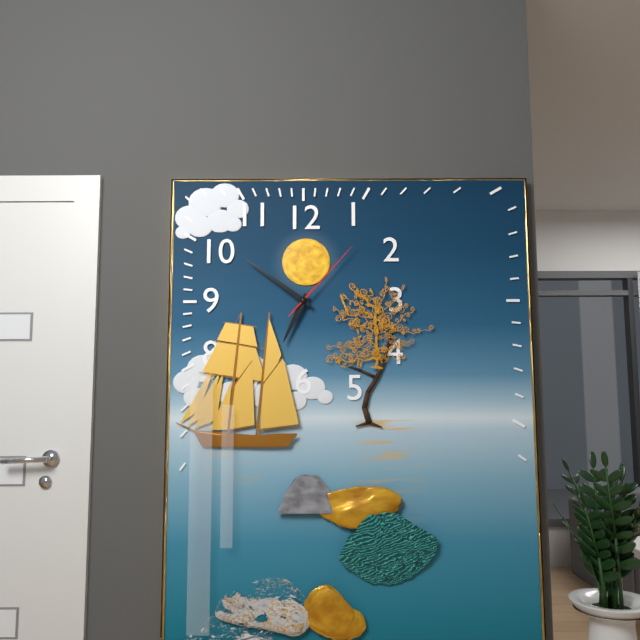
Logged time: 6 h 51 min 07 s
